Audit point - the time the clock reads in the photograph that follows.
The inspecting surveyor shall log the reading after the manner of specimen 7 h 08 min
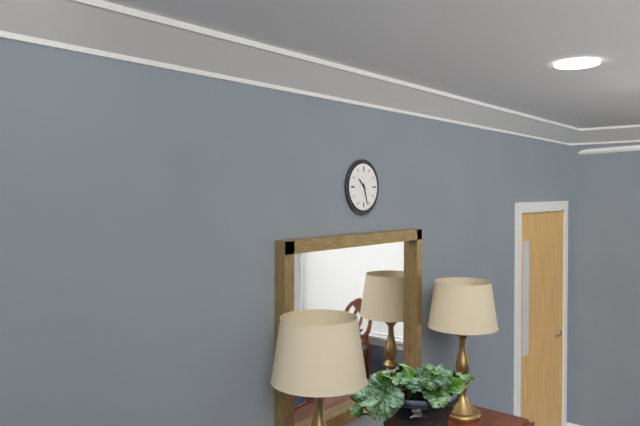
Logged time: 10 h 27 min
